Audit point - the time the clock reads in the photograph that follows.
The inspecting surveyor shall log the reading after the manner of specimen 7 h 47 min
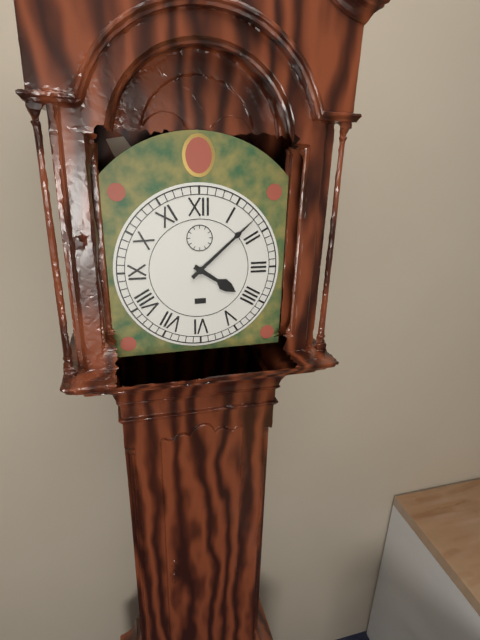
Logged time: 4 h 08 min
